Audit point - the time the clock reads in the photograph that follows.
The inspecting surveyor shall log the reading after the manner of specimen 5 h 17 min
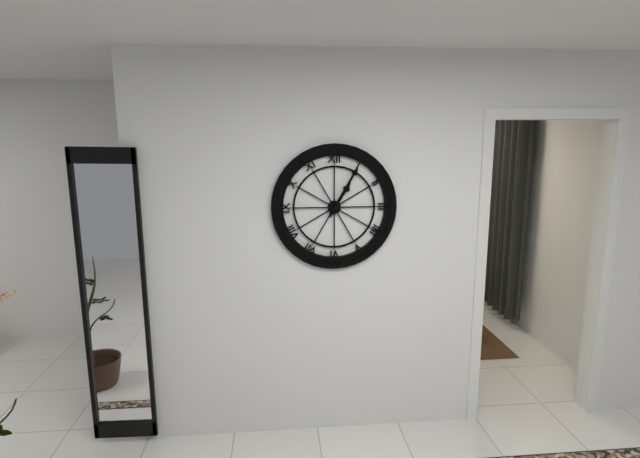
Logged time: 1 h 05 min
